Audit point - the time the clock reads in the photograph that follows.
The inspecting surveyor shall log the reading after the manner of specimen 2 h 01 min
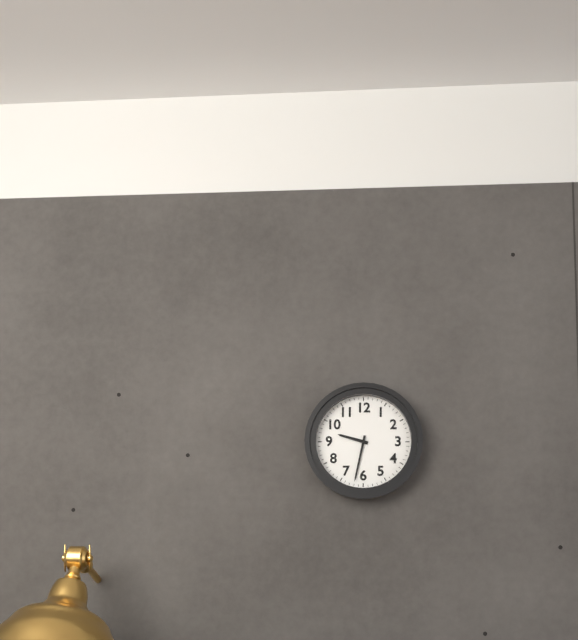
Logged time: 9 h 32 min
